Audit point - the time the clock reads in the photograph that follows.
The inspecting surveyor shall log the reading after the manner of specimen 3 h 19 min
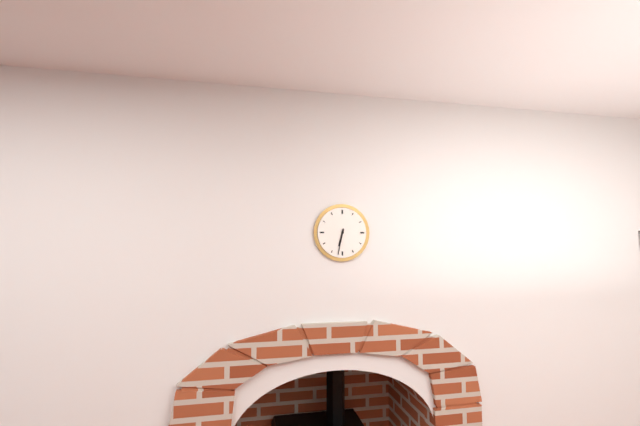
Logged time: 6 h 32 min
